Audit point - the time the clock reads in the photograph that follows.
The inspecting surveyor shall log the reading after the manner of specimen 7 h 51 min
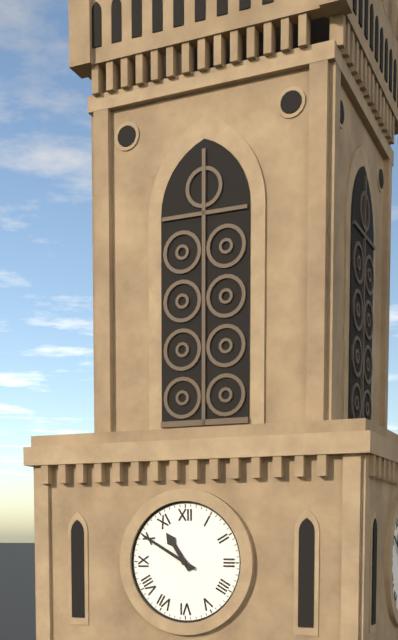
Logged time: 10 h 50 min
